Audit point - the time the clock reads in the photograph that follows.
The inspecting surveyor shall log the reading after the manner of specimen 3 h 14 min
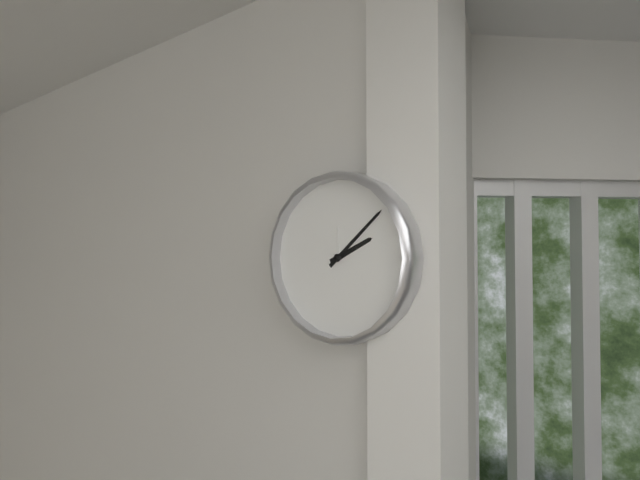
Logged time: 2 h 08 min
